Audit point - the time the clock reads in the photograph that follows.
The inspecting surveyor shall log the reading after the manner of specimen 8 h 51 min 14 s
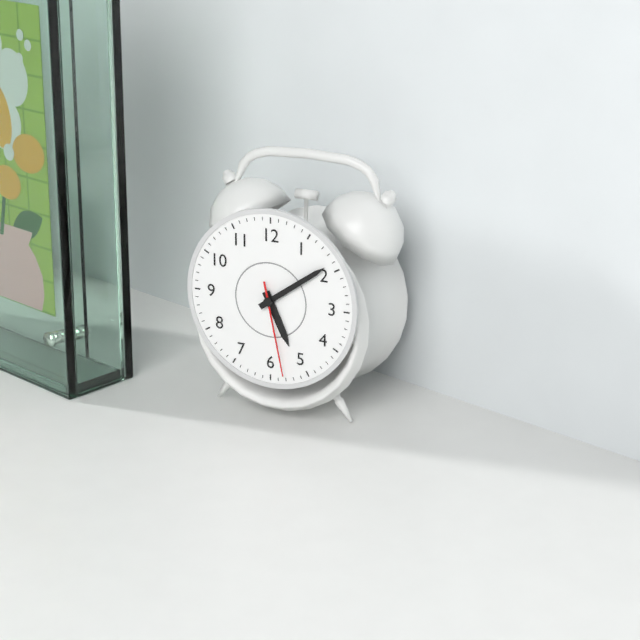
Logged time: 5 h 09 min 28 s
